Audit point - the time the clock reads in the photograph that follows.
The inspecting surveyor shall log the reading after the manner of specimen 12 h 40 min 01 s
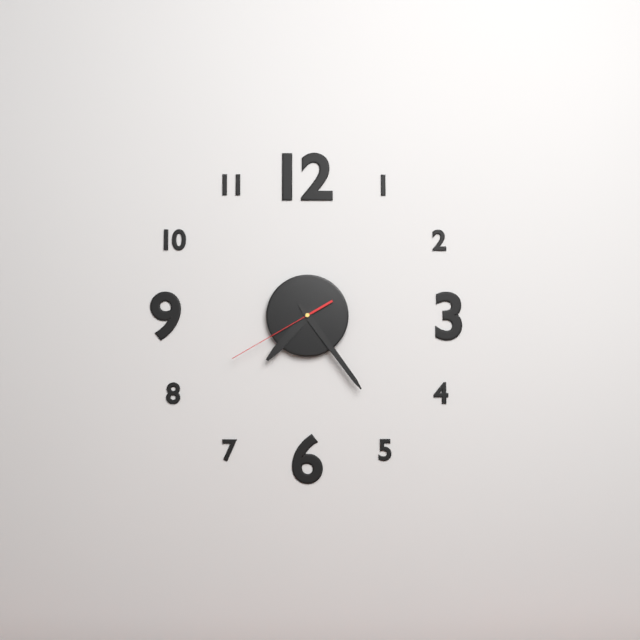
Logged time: 7 h 24 min 40 s
